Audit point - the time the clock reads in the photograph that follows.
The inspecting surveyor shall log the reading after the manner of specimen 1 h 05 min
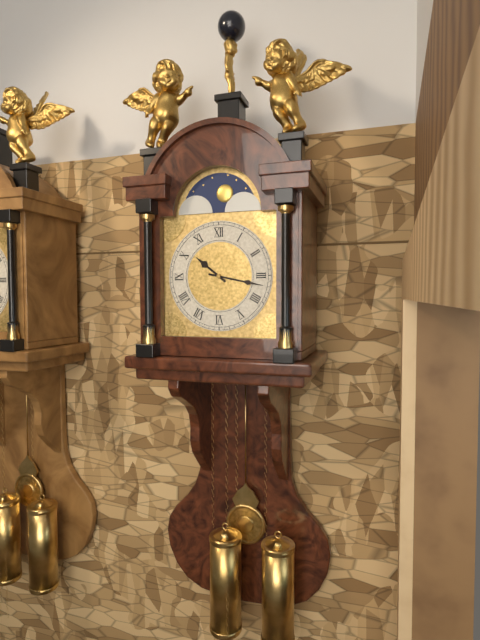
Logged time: 10 h 17 min
